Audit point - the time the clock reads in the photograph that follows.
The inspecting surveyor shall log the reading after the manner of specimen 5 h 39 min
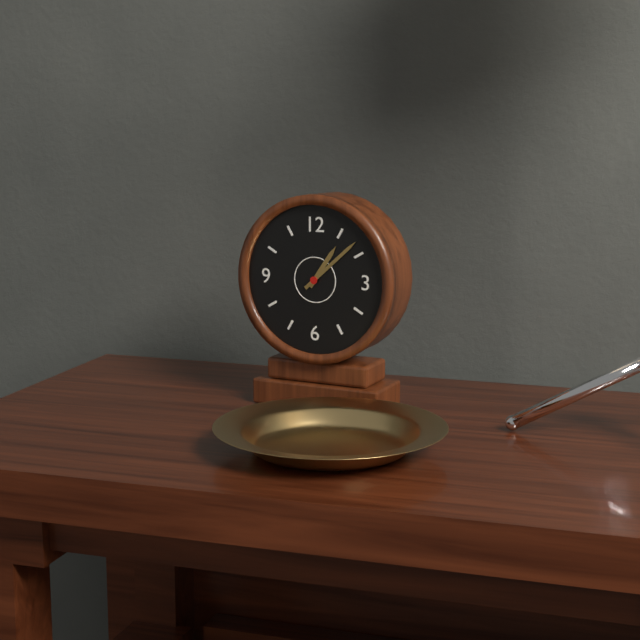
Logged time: 1 h 08 min
